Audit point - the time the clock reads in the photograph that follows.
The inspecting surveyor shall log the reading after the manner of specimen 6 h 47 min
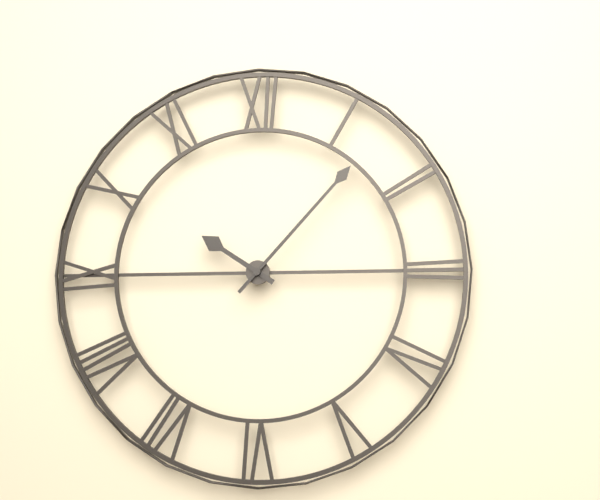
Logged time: 10 h 07 min
